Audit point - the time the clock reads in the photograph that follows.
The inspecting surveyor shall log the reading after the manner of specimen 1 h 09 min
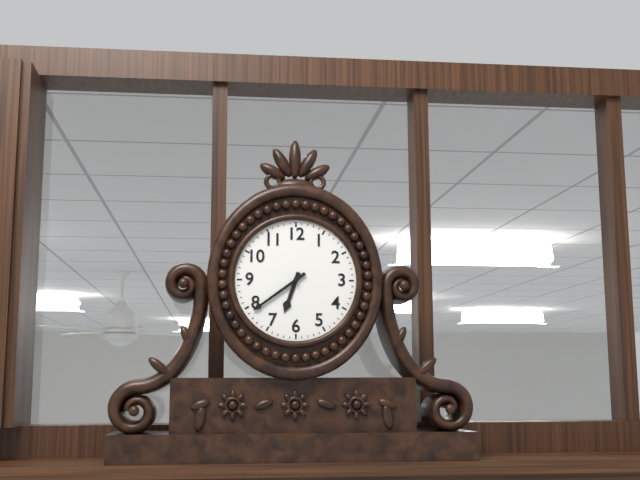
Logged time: 6 h 39 min
